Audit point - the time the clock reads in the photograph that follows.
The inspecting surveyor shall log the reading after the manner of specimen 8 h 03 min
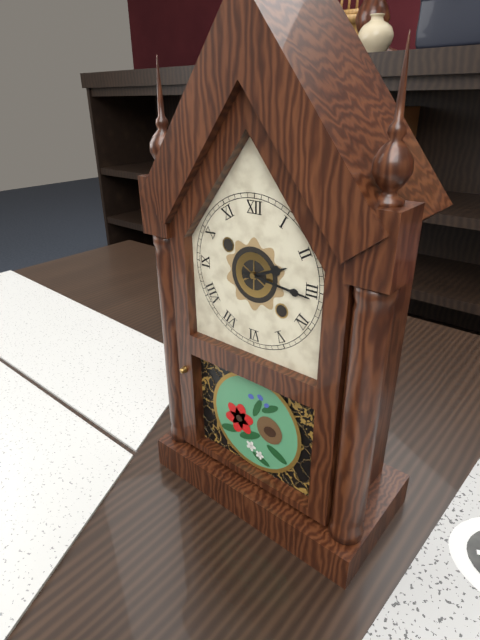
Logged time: 2 h 16 min
